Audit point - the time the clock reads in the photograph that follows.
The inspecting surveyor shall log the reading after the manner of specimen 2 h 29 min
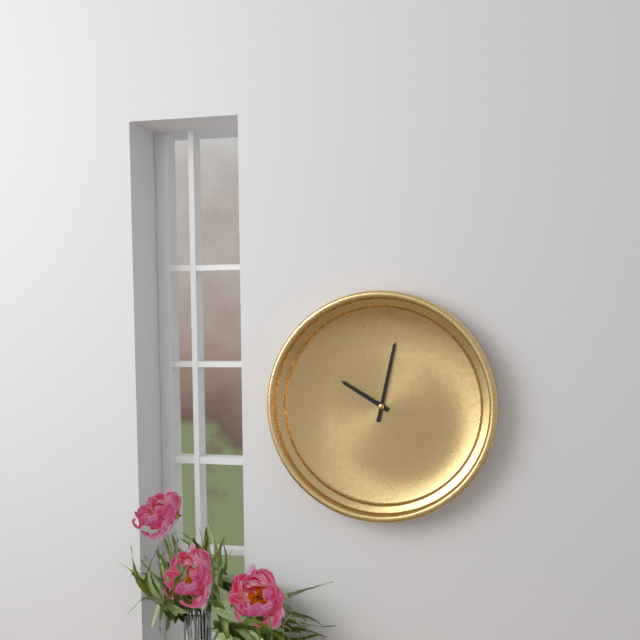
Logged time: 10 h 02 min
